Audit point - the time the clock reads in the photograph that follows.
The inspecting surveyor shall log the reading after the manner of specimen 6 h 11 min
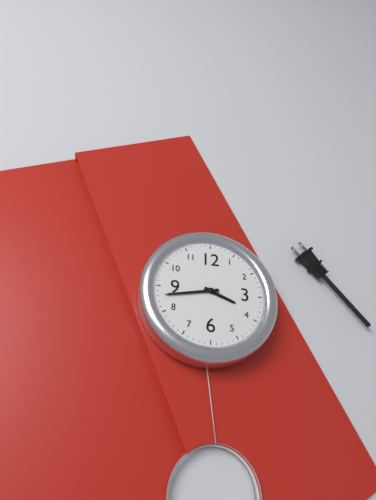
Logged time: 3 h 43 min
